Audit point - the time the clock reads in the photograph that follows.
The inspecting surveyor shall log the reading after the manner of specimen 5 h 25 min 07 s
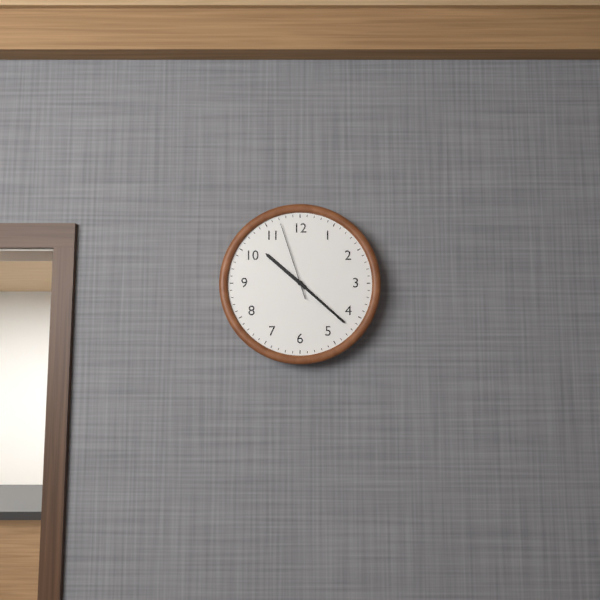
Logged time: 10 h 22 min 57 s
